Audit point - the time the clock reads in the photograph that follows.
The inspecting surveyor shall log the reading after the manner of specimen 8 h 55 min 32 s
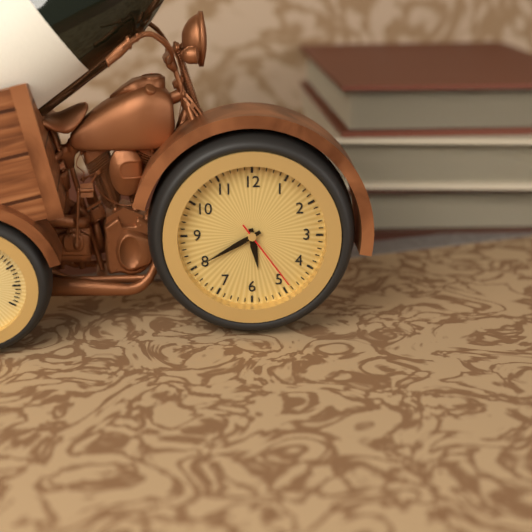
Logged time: 5 h 40 min 24 s
